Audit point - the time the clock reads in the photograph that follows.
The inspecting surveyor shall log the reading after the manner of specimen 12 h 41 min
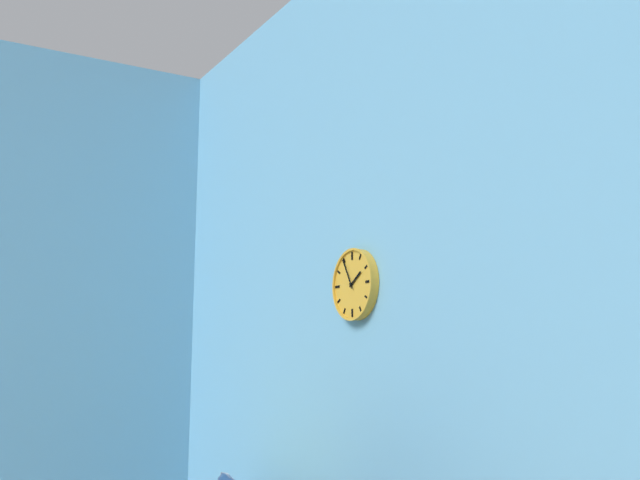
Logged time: 1 h 55 min
